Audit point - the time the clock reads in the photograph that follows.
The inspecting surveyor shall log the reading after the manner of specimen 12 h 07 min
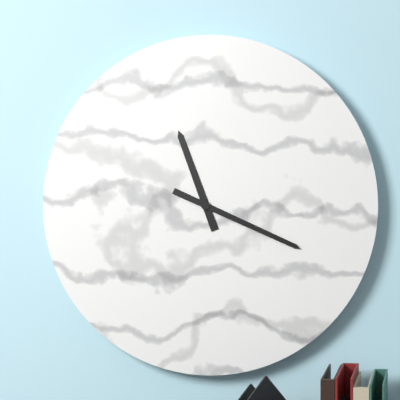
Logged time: 11 h 19 min
